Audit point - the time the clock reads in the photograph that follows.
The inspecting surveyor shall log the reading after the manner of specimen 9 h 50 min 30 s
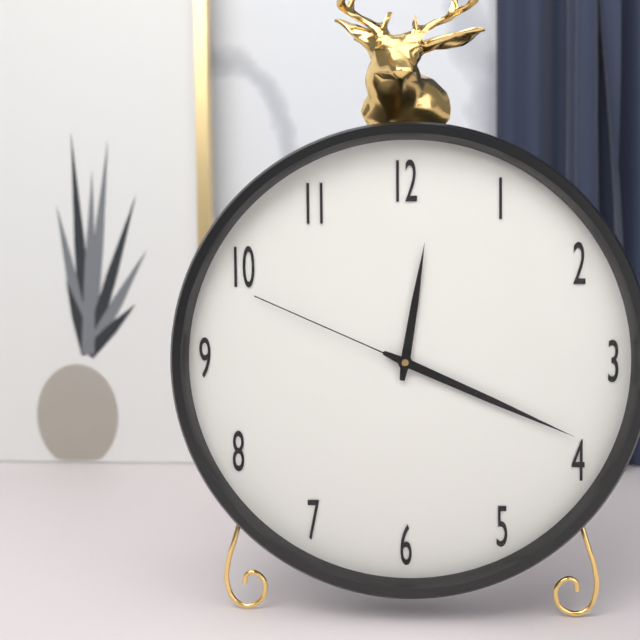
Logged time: 12 h 19 min 49 s
